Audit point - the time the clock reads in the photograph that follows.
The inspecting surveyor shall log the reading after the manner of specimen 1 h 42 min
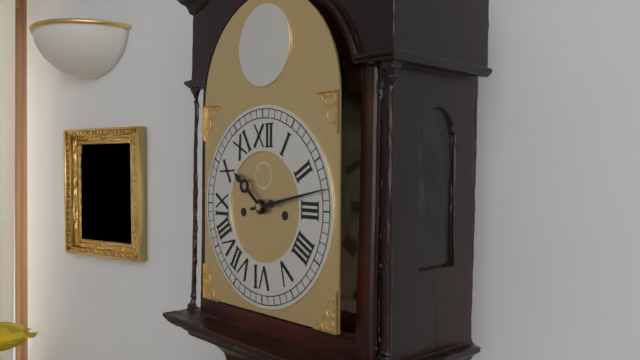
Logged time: 10 h 13 min
